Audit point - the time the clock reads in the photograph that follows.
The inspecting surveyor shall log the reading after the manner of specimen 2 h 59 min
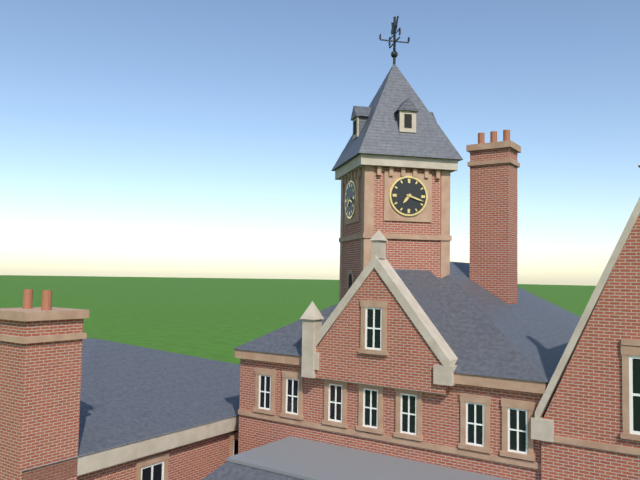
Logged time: 7 h 18 min
